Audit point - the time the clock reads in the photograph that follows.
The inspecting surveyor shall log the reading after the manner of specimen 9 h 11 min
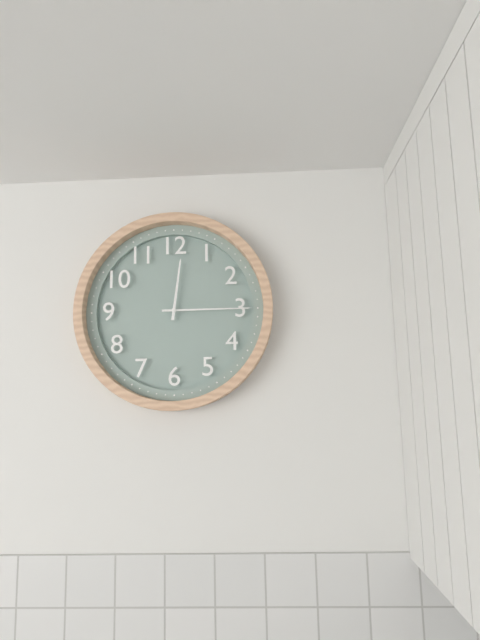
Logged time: 12 h 15 min
